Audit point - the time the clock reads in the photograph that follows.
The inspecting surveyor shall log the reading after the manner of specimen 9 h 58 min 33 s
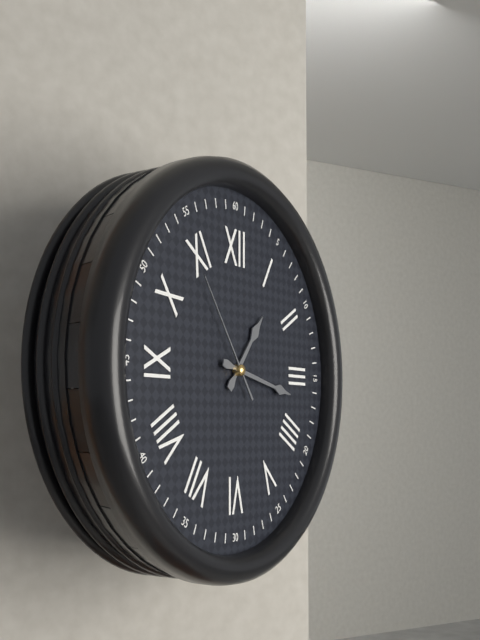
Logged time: 1 h 17 min 54 s
